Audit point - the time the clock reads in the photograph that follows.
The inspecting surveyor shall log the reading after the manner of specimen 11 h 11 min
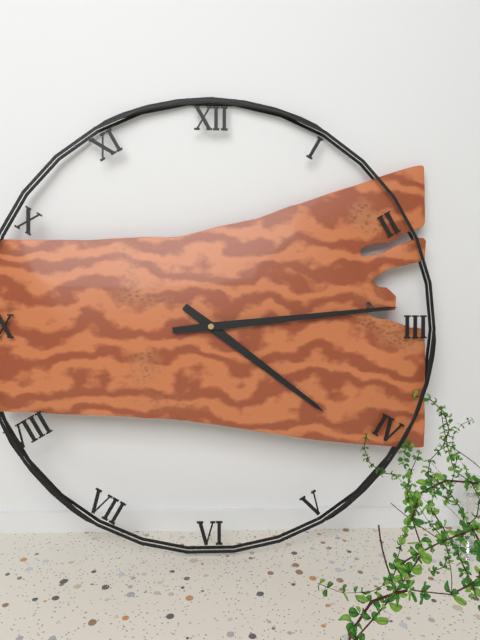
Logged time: 4 h 14 min
